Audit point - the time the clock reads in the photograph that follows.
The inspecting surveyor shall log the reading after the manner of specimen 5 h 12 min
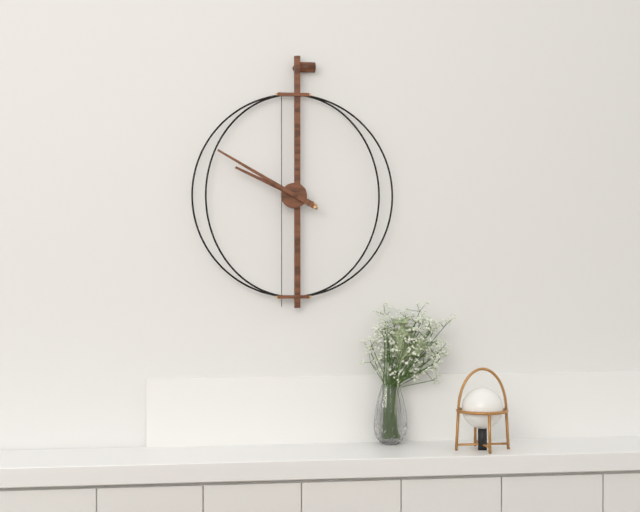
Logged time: 9 h 50 min
